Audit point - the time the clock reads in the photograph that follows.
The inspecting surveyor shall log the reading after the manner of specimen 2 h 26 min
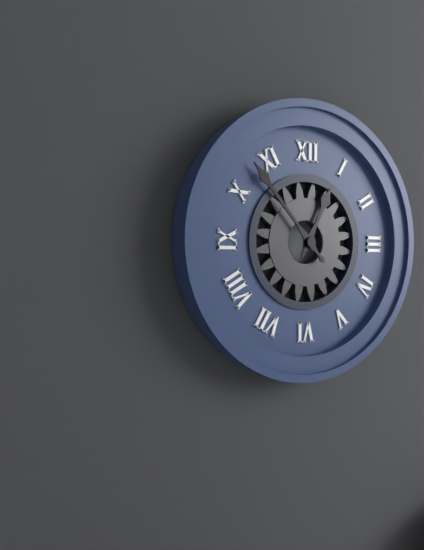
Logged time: 12 h 53 min
